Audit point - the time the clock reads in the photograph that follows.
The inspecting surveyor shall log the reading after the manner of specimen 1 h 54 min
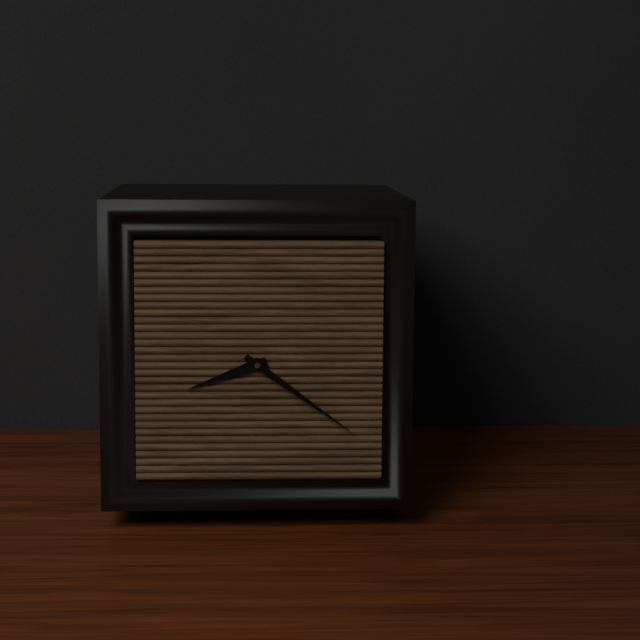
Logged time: 8 h 21 min
